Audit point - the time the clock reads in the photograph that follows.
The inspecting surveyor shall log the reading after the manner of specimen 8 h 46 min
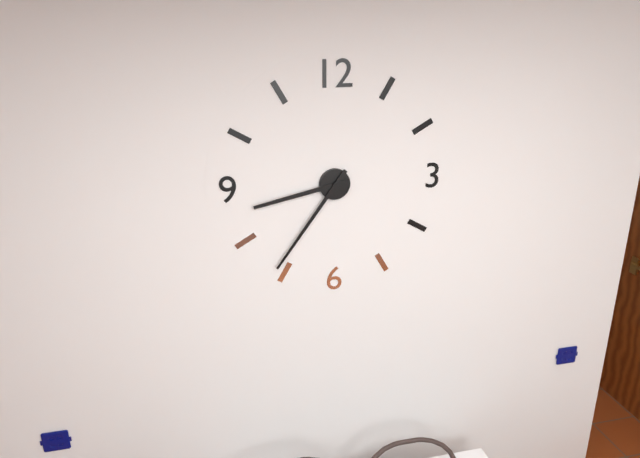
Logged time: 8 h 36 min
